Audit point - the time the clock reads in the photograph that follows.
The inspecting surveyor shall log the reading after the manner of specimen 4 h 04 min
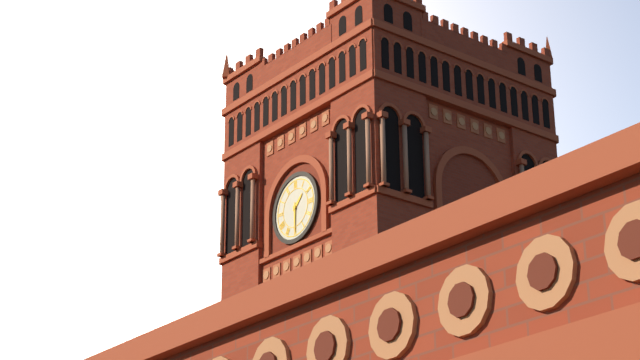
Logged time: 1 h 30 min
